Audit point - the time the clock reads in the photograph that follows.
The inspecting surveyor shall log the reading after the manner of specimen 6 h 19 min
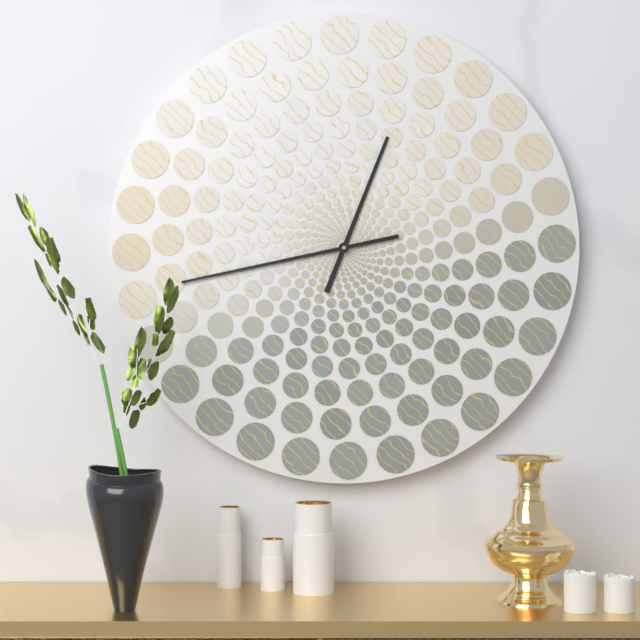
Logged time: 12 h 43 min
